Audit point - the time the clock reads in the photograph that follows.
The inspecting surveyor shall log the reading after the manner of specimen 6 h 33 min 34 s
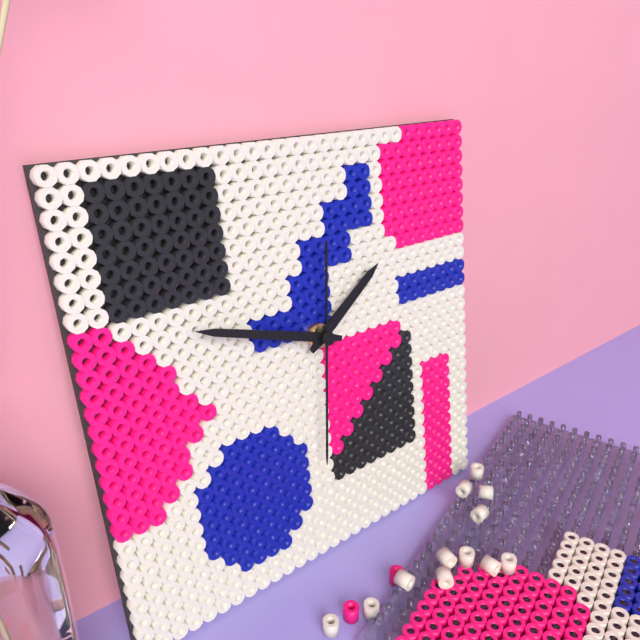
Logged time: 1 h 48 min 31 s
